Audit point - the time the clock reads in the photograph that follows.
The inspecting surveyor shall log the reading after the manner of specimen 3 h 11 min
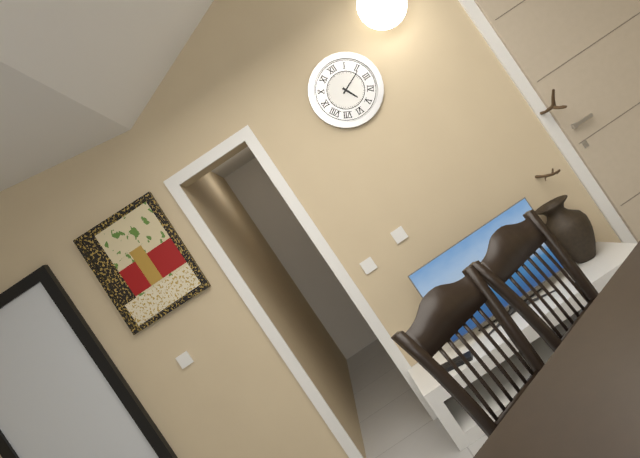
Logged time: 5 h 11 min
